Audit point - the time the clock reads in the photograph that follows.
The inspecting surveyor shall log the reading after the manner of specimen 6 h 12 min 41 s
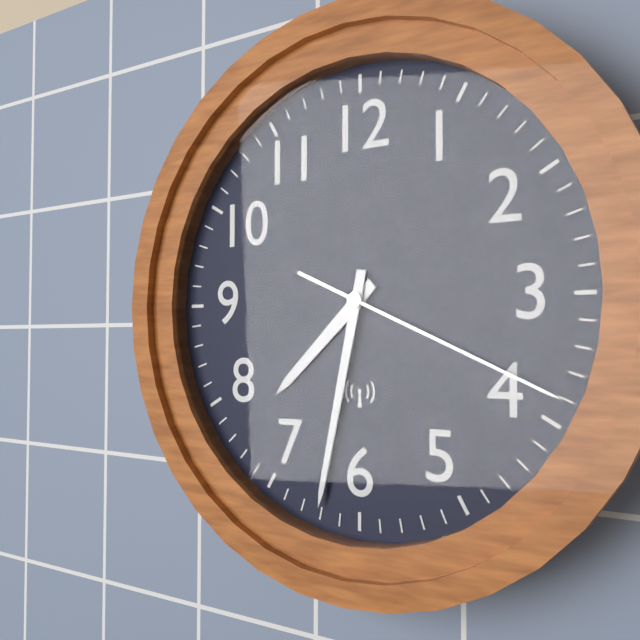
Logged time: 7 h 32 min 19 s
